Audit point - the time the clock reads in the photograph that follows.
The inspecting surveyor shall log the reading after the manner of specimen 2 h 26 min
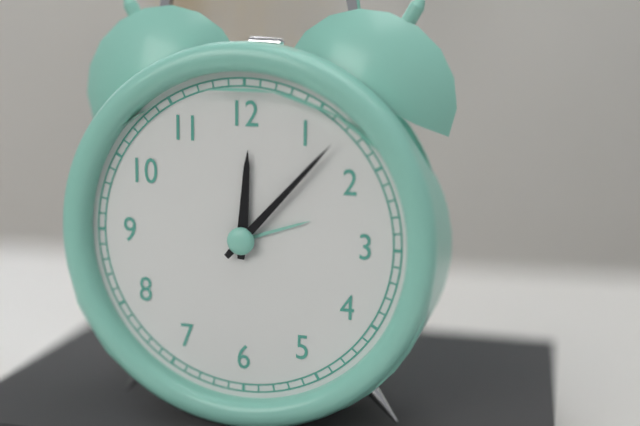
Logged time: 12 h 07 min
